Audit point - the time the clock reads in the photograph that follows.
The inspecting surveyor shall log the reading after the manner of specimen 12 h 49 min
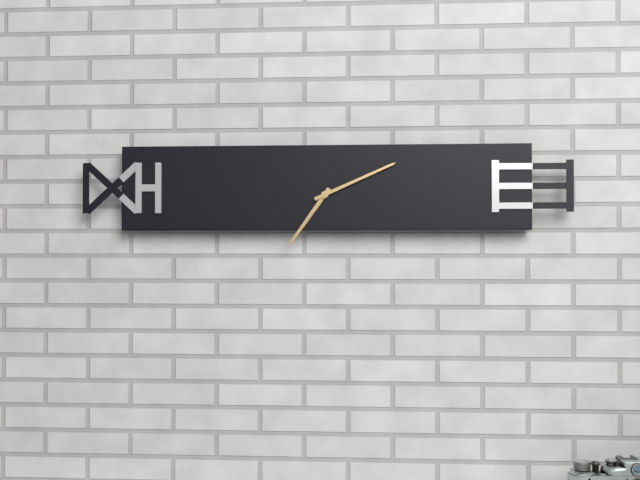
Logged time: 7 h 11 min
